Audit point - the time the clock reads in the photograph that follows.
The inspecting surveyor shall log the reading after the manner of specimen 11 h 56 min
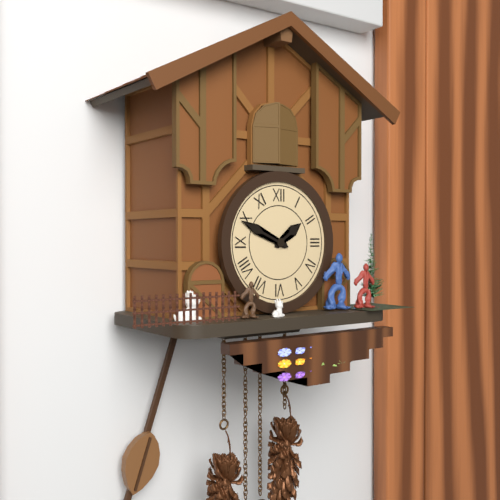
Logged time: 1 h 49 min
